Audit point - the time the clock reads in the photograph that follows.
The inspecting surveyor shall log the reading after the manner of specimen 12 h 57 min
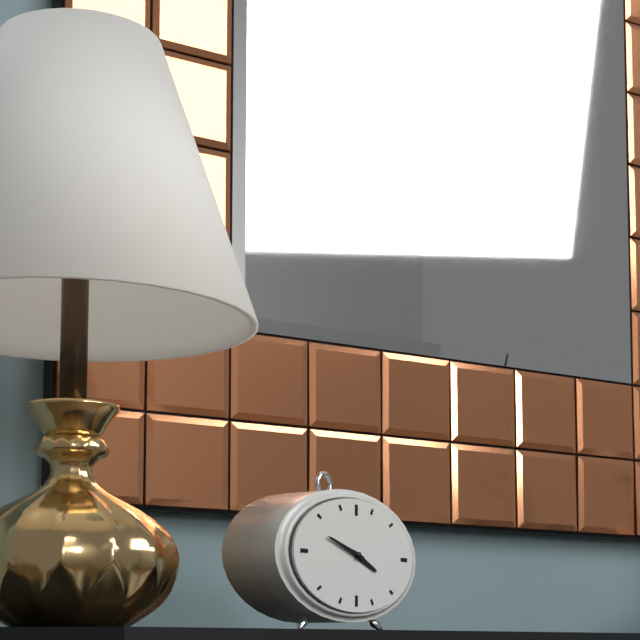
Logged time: 3 h 48 min
